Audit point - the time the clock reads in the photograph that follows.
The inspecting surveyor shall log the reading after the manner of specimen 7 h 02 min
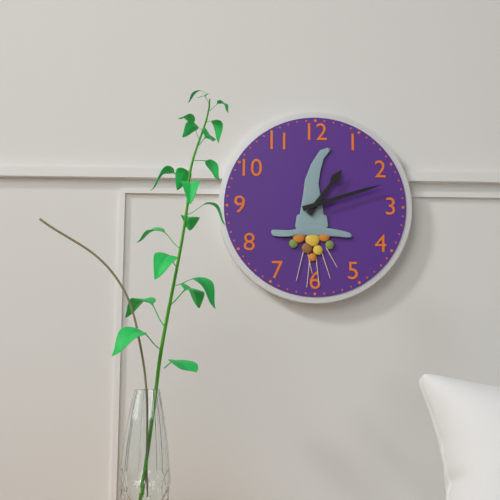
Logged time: 1 h 12 min
